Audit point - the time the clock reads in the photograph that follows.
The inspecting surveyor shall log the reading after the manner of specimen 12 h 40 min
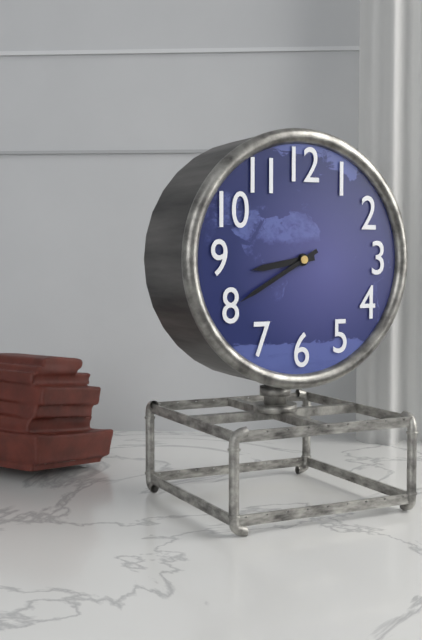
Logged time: 8 h 40 min
